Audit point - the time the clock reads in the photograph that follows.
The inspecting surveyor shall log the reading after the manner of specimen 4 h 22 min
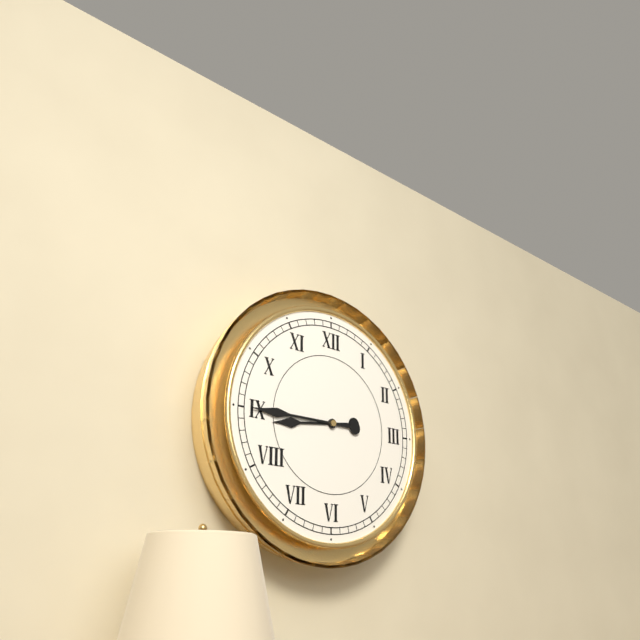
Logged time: 8 h 45 min
